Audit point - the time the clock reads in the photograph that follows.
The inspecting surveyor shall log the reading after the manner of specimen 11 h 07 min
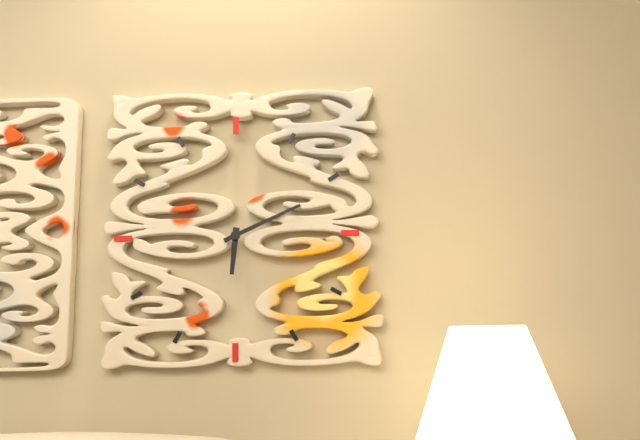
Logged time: 6 h 11 min
